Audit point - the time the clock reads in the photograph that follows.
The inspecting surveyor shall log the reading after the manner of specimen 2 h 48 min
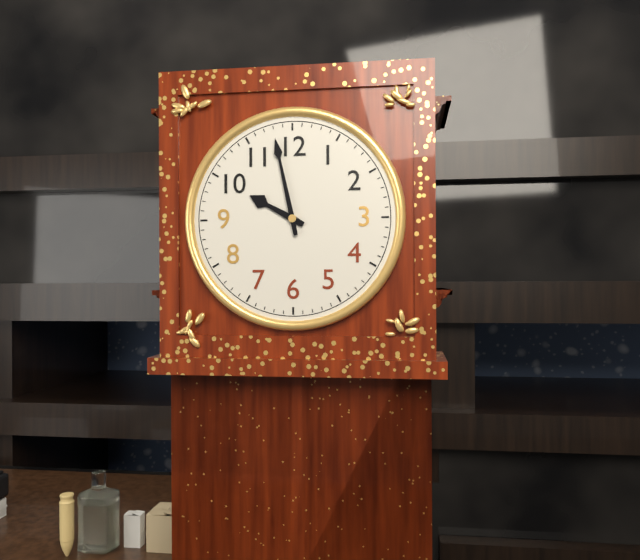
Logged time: 9 h 58 min
